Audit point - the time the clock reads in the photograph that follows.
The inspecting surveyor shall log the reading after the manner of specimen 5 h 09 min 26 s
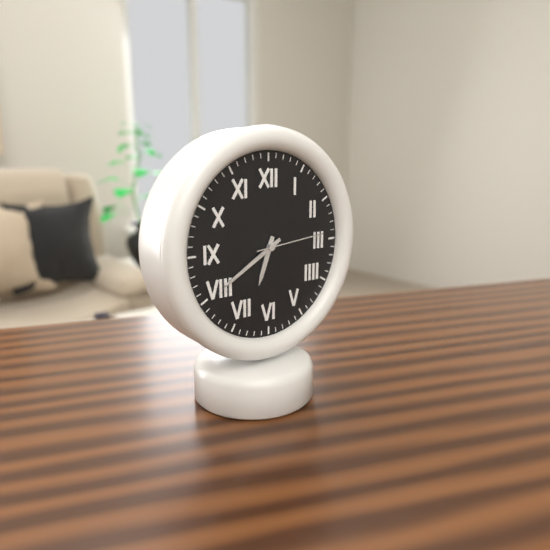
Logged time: 6 h 40 min 14 s
